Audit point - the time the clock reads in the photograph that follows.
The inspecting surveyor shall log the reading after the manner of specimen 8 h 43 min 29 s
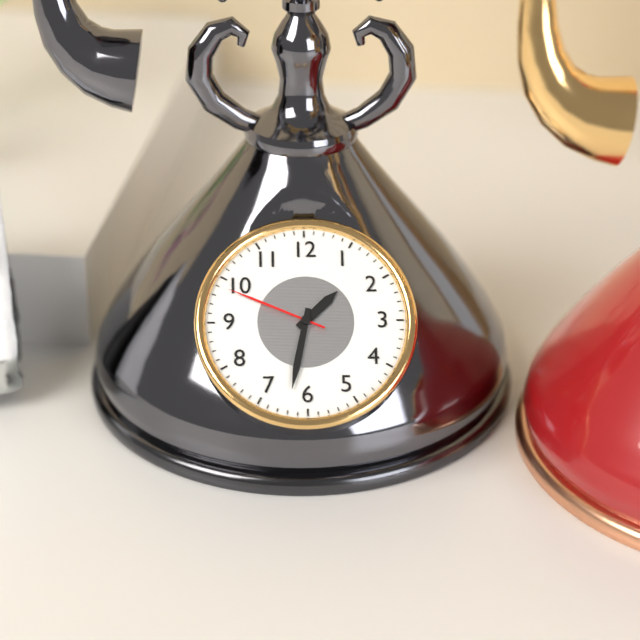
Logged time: 1 h 32 min 49 s
